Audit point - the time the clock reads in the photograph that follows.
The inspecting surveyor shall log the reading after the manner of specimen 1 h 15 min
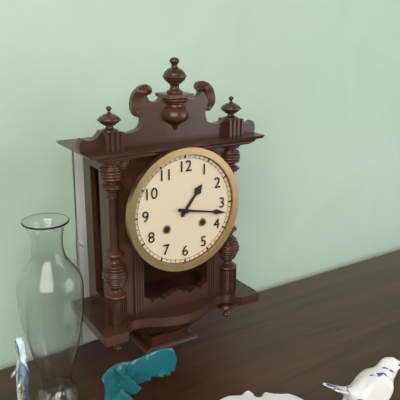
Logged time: 1 h 17 min
